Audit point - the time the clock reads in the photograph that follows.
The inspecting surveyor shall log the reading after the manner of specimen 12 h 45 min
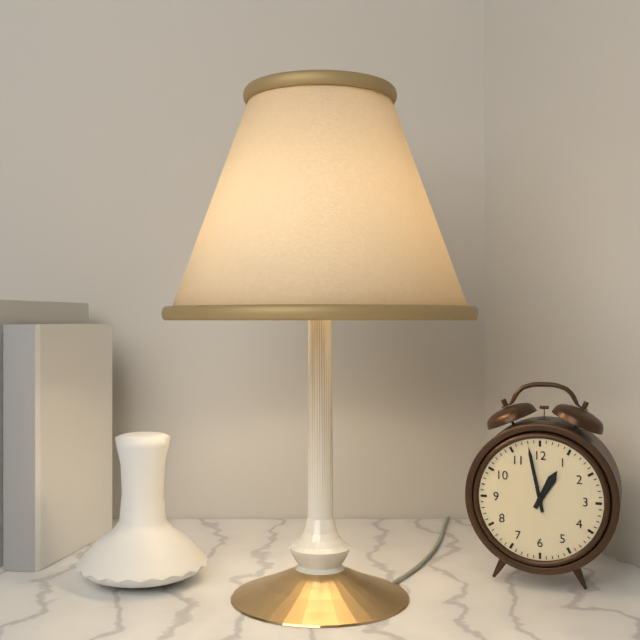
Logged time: 12 h 58 min
